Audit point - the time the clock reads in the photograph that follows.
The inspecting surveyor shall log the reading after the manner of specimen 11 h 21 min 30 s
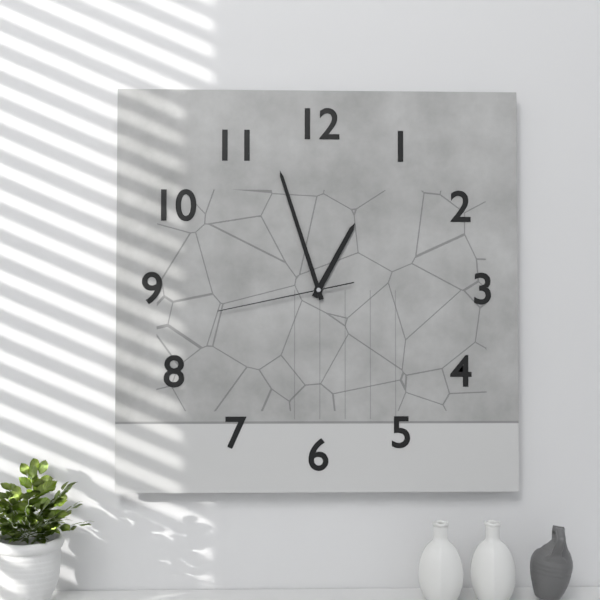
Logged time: 12 h 57 min 43 s
